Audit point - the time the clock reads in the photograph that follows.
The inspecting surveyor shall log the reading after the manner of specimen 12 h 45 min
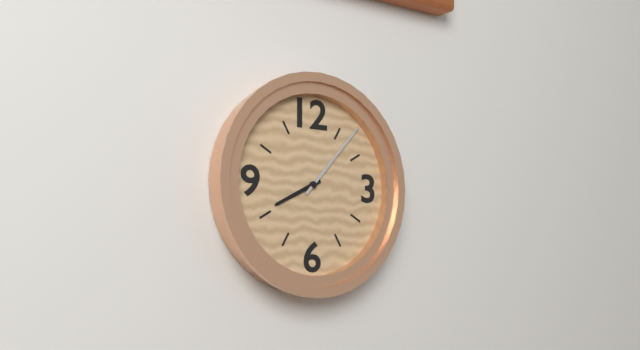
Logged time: 8 h 07 min
